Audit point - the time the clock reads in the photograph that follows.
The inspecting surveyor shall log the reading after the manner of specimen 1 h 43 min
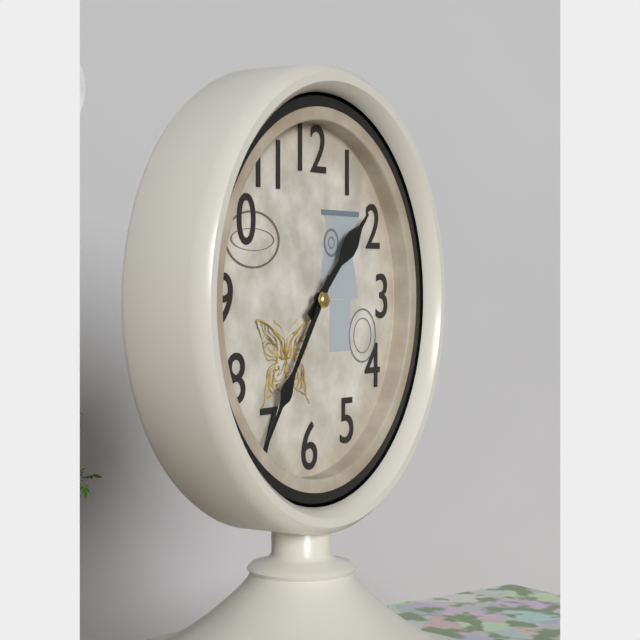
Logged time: 1 h 36 min
